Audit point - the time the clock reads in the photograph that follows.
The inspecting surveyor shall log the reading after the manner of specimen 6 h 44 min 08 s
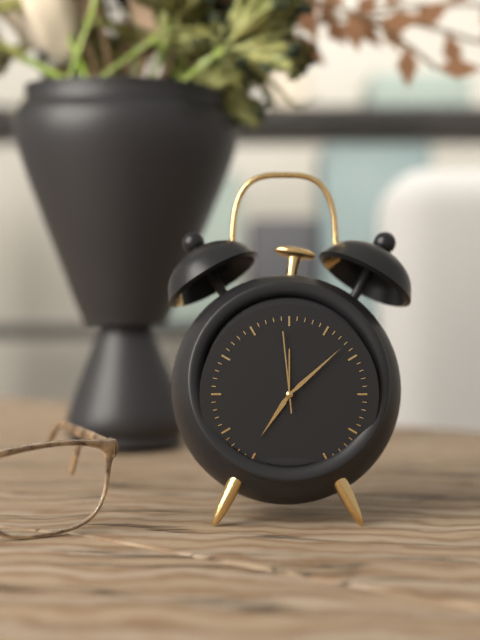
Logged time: 7 h 08 min 59 s
